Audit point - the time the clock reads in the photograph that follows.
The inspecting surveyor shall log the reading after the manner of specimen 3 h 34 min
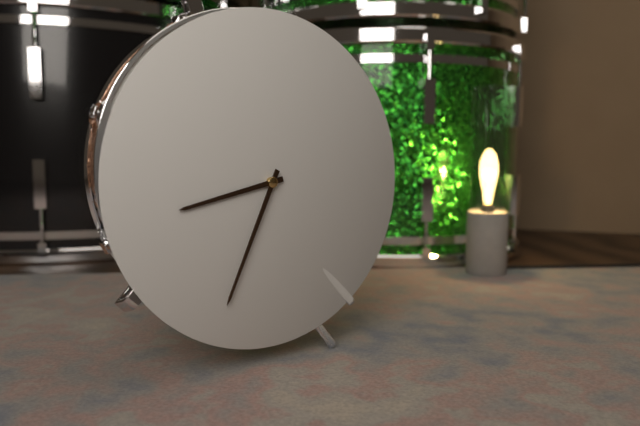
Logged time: 8 h 34 min
